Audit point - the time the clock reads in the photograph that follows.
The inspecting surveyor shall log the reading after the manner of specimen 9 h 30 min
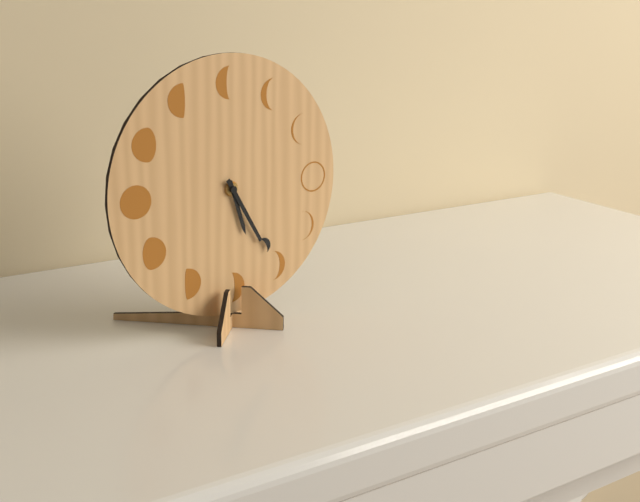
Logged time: 5 h 25 min
